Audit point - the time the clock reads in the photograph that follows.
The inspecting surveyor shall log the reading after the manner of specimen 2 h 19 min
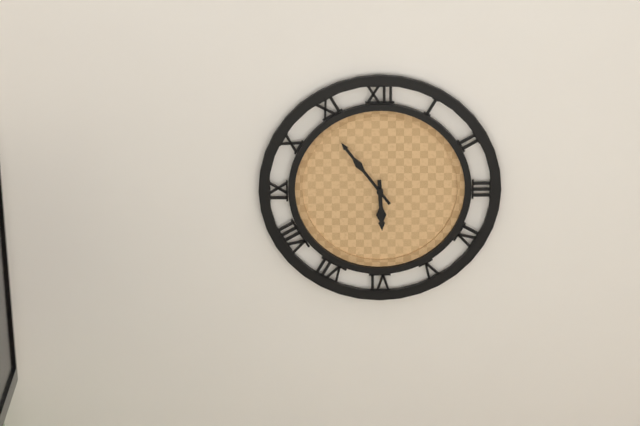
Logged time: 5 h 54 min
